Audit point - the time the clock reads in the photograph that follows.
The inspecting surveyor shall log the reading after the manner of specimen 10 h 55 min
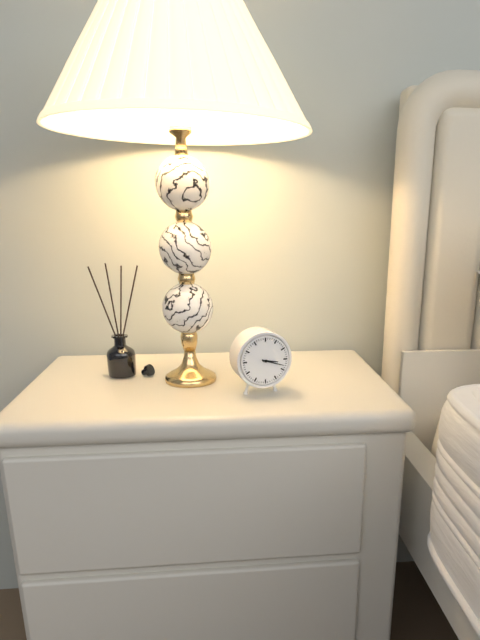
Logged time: 3 h 18 min
